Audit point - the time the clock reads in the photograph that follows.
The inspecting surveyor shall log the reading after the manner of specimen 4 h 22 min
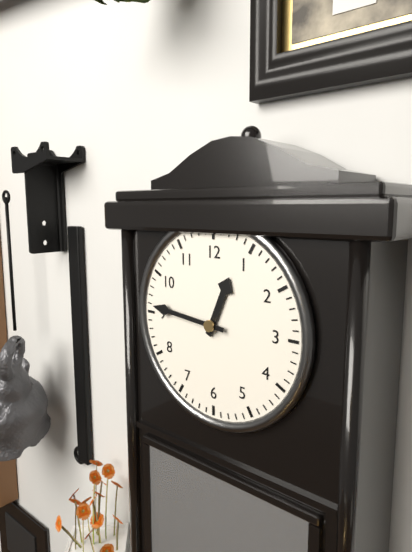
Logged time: 12 h 46 min
